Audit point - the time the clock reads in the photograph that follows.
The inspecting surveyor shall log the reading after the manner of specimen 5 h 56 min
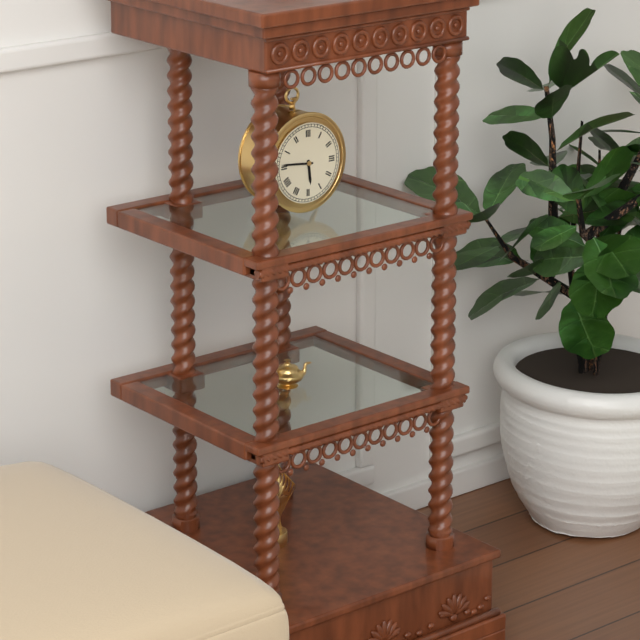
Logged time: 5 h 46 min
